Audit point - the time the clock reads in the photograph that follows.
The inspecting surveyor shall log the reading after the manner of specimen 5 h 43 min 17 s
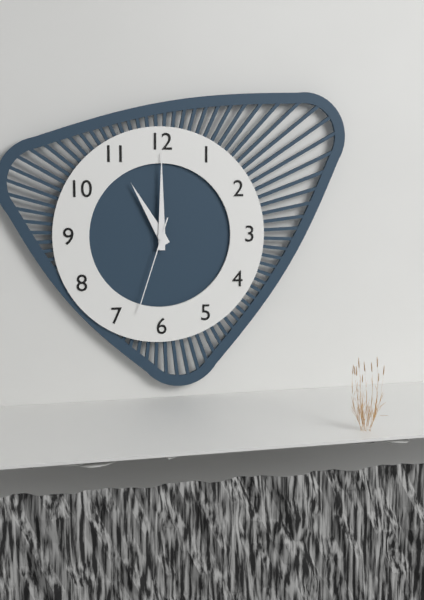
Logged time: 11 h 00 min 33 s
